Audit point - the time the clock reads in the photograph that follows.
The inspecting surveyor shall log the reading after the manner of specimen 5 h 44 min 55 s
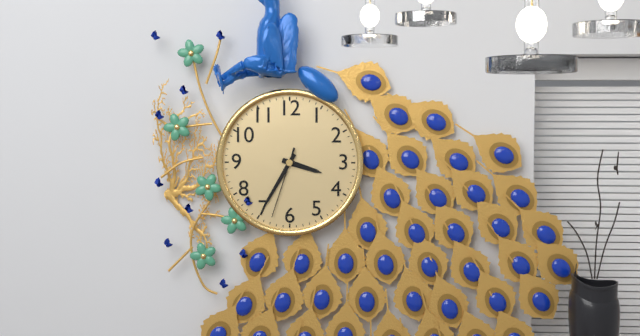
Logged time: 3 h 35 min 33 s
